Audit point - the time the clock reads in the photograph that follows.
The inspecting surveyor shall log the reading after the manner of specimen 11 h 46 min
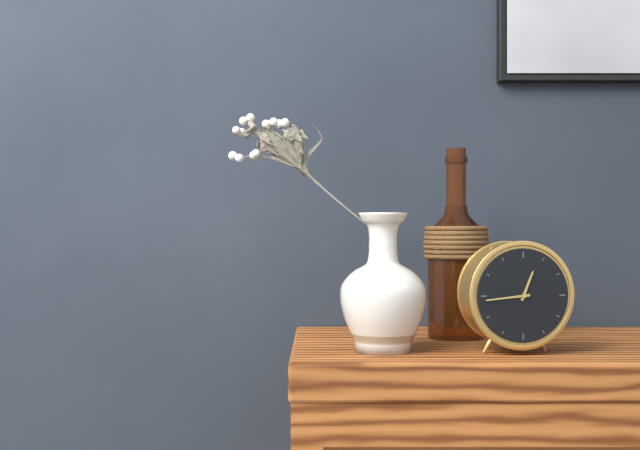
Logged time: 12 h 44 min
